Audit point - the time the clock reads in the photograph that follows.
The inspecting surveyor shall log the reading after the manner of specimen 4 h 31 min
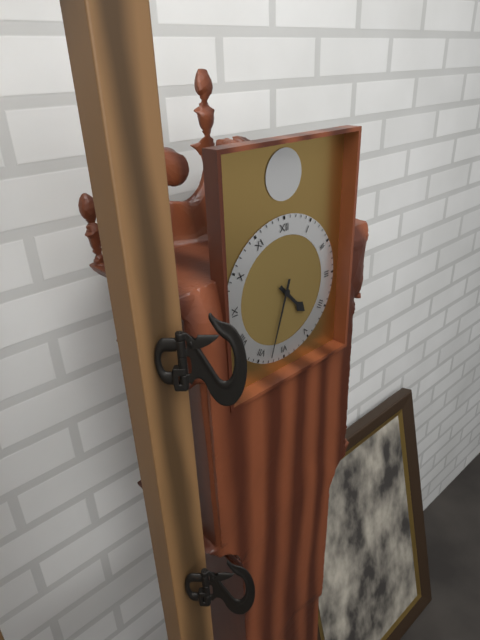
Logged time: 4 h 33 min
